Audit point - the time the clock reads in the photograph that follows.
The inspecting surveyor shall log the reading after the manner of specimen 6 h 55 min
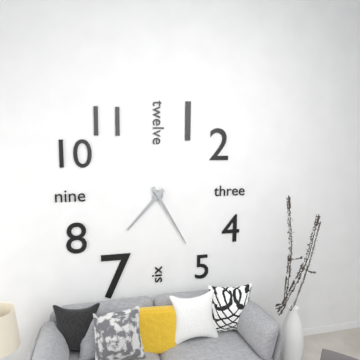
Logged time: 7 h 25 min
